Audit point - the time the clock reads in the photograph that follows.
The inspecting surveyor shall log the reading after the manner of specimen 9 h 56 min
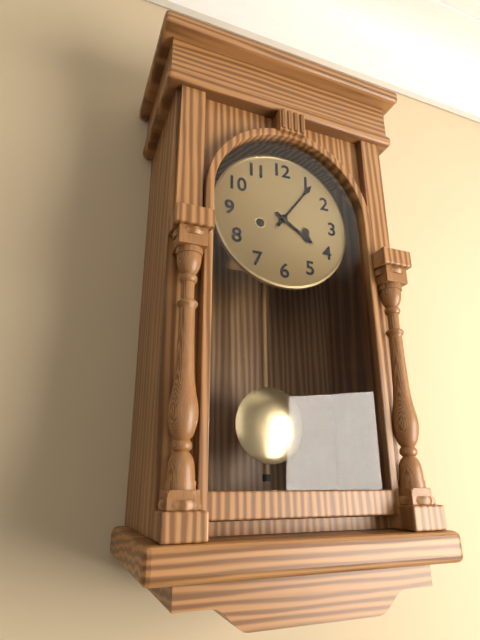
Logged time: 4 h 06 min
